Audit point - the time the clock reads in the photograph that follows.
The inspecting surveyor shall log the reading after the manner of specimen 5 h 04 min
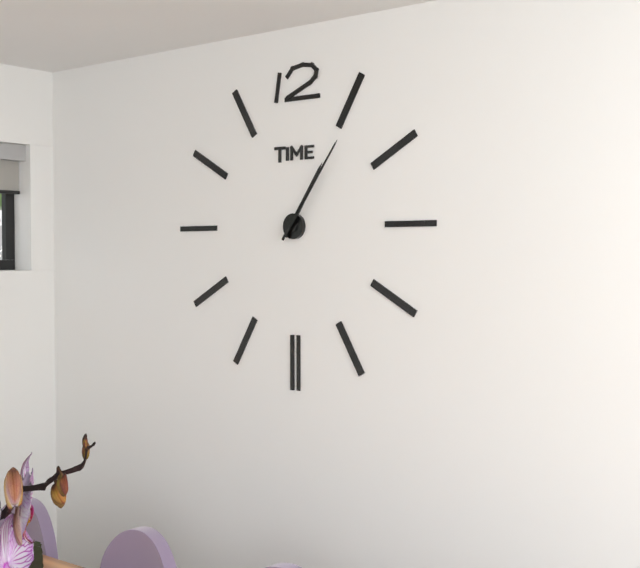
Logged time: 1 h 06 min
